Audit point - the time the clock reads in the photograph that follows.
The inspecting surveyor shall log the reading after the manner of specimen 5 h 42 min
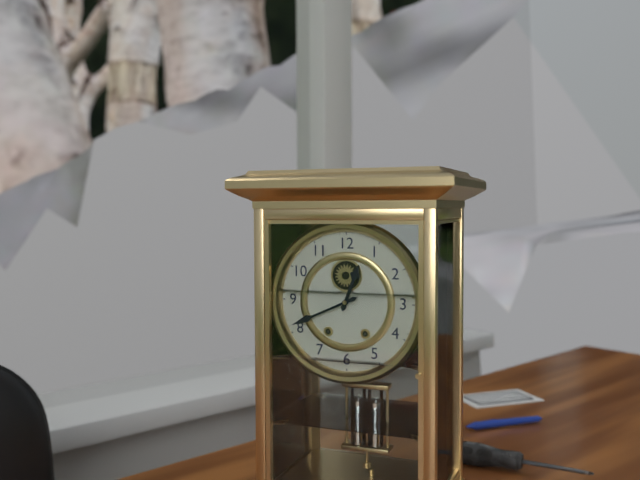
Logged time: 12 h 41 min
